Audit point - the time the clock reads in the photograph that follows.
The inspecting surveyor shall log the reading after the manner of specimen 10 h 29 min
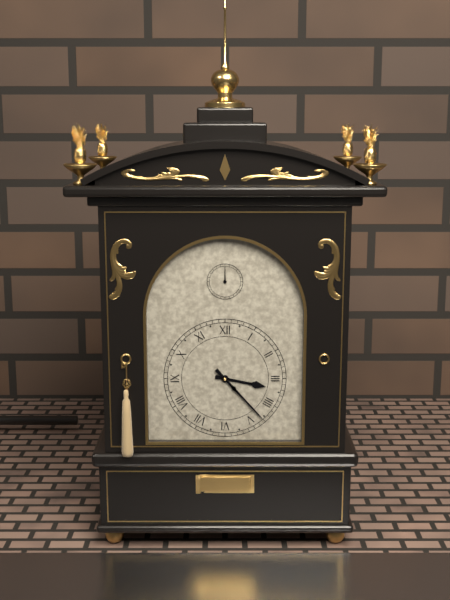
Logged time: 3 h 23 min
